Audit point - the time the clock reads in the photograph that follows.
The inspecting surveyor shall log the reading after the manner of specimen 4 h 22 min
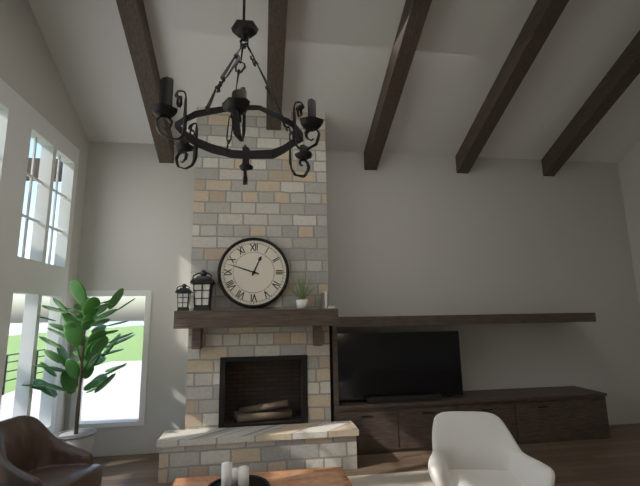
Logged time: 12 h 48 min
